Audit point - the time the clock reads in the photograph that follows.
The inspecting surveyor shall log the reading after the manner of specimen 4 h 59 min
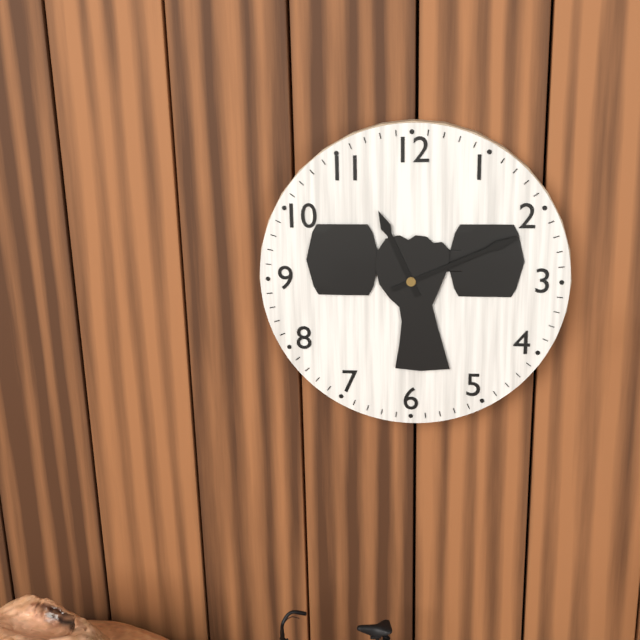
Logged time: 11 h 11 min
